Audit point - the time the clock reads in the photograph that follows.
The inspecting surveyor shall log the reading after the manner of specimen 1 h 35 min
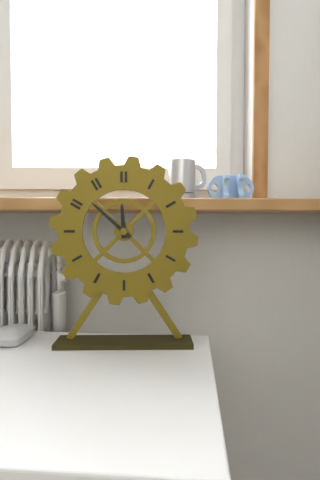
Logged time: 11 h 52 min
